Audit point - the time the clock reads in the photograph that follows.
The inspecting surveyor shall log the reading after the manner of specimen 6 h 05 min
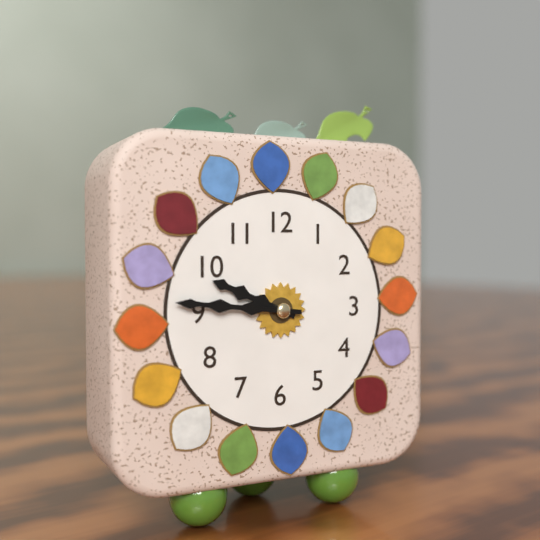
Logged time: 9 h 46 min
